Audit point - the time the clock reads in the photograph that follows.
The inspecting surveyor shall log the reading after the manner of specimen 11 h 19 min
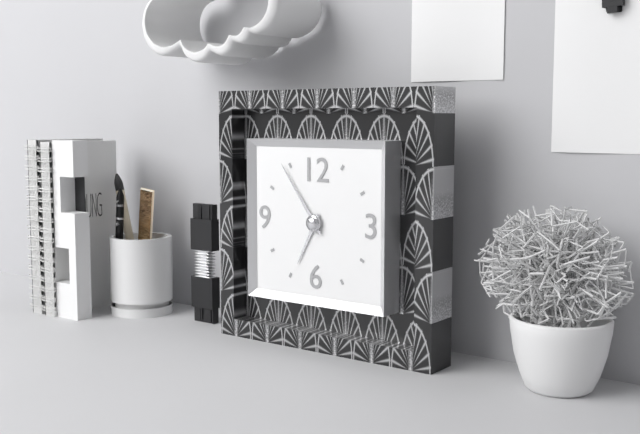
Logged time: 6 h 54 min
